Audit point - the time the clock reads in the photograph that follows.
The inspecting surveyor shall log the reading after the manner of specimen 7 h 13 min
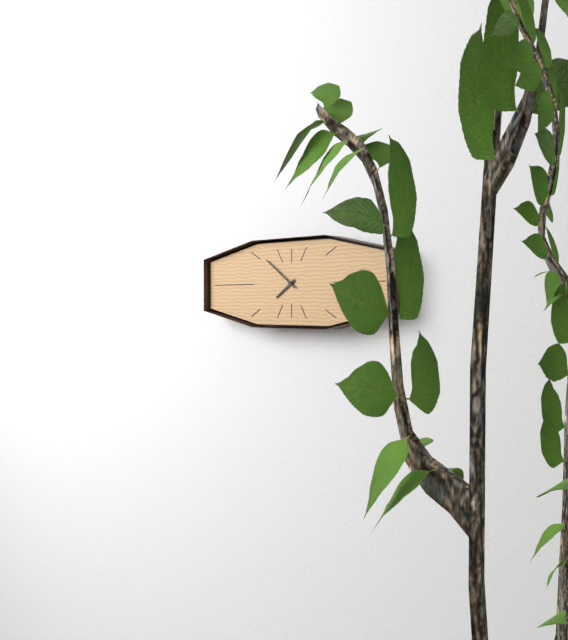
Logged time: 7 h 51 min
